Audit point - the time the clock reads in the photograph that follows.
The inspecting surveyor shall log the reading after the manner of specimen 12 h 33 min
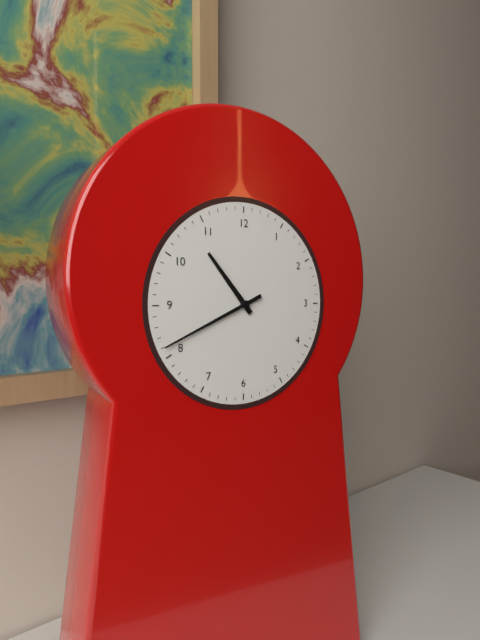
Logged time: 10 h 41 min
